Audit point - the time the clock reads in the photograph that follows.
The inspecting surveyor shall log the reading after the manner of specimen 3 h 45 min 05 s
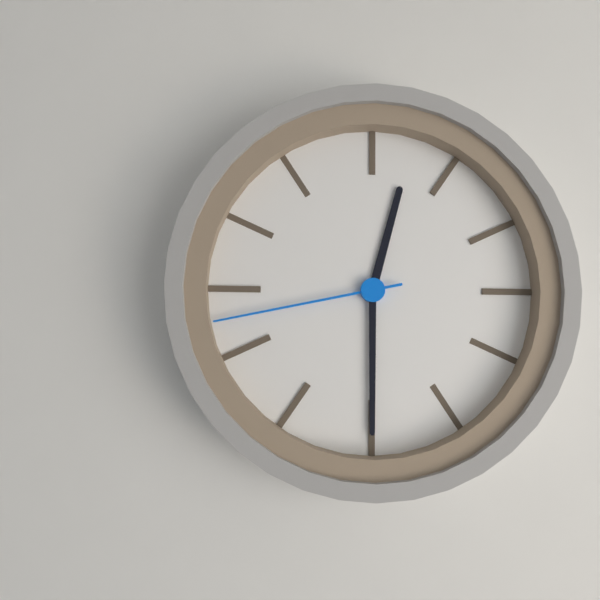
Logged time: 12 h 30 min 43 s
